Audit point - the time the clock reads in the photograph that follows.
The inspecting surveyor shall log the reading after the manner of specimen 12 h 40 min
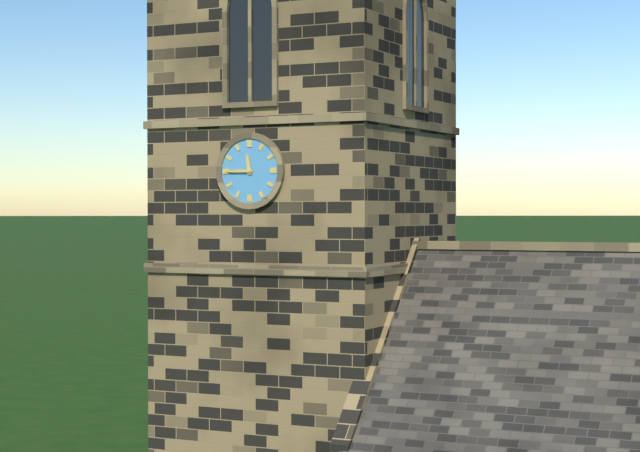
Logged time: 11 h 45 min
